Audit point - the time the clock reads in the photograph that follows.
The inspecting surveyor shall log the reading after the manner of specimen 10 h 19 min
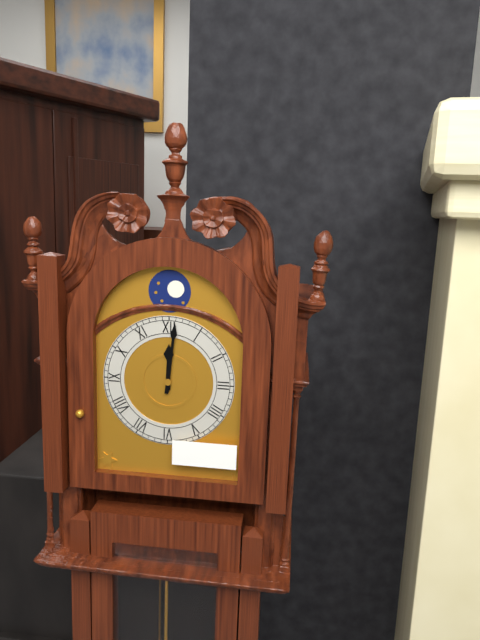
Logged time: 12 h 01 min
